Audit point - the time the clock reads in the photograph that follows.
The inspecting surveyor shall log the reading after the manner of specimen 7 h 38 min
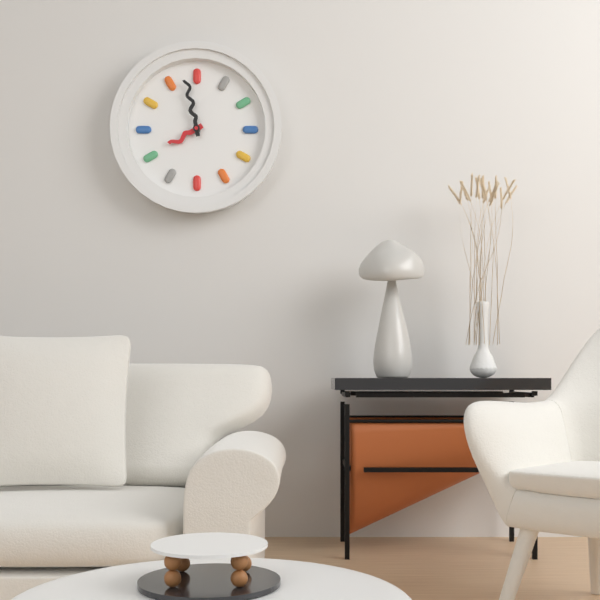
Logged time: 7 h 58 min
